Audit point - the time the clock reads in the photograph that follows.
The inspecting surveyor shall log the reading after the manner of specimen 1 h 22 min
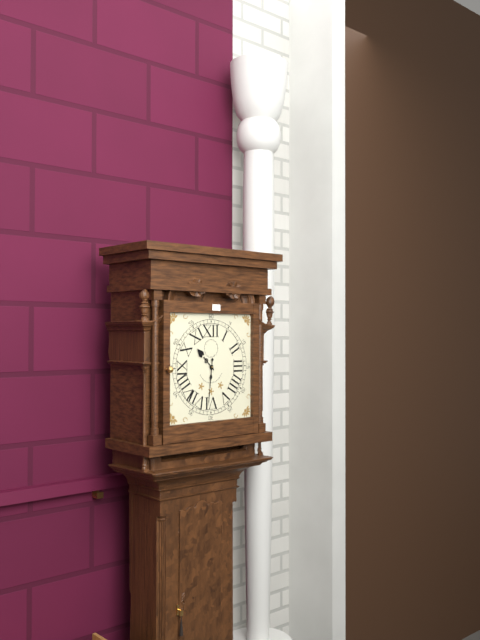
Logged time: 10 h 31 min
